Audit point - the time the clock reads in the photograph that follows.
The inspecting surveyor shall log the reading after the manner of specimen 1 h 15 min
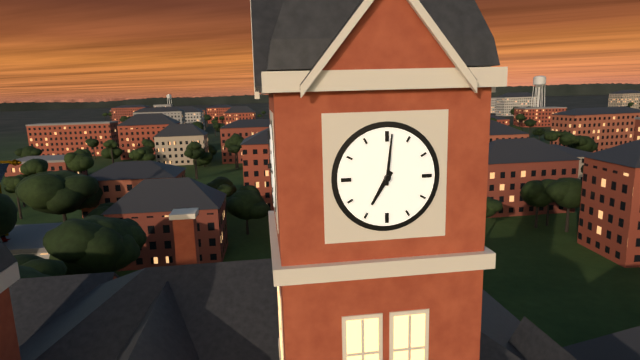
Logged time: 7 h 01 min
